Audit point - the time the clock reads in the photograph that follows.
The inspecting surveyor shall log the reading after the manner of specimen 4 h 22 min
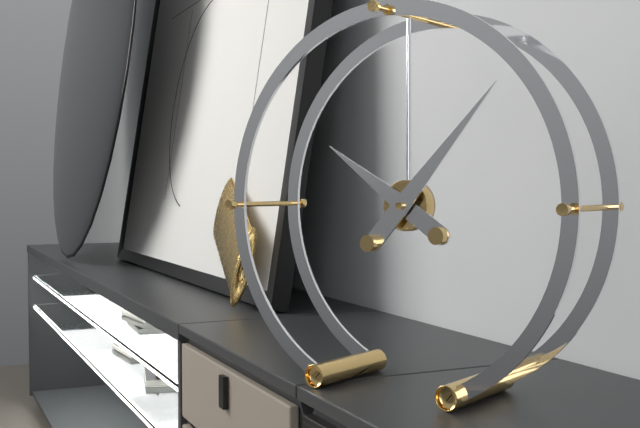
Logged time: 10 h 07 min
